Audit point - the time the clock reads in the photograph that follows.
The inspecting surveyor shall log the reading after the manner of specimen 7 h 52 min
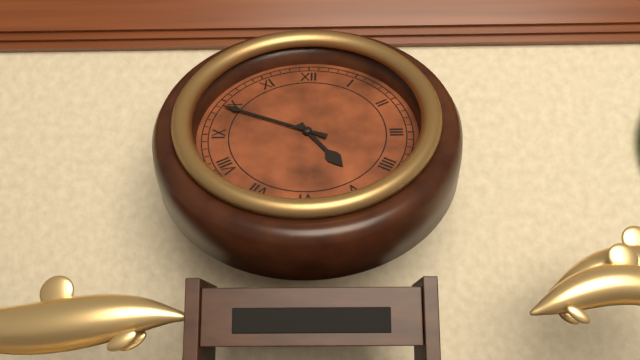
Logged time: 4 h 49 min
